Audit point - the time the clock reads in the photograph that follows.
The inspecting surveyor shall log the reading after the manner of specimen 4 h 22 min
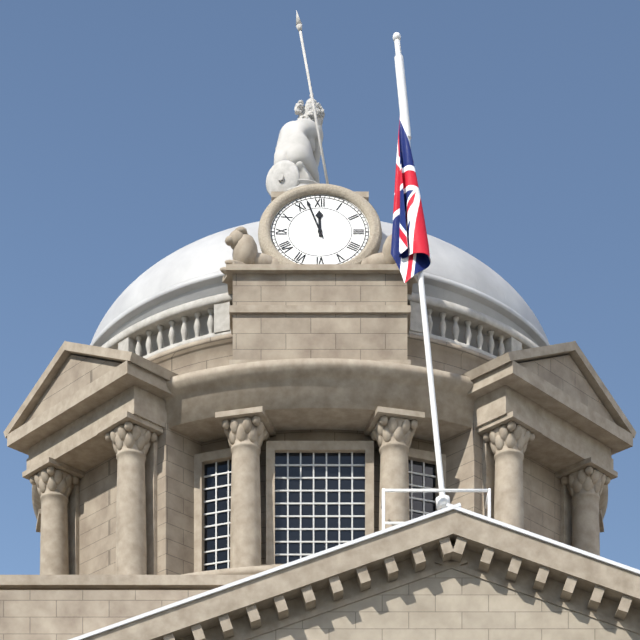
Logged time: 11 h 57 min
